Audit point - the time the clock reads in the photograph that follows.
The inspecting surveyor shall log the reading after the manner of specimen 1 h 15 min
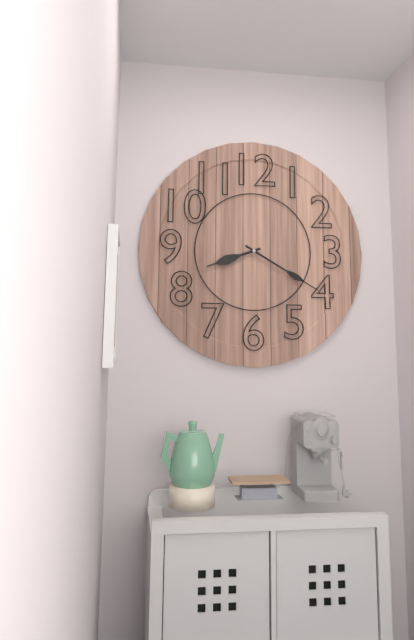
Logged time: 8 h 20 min
